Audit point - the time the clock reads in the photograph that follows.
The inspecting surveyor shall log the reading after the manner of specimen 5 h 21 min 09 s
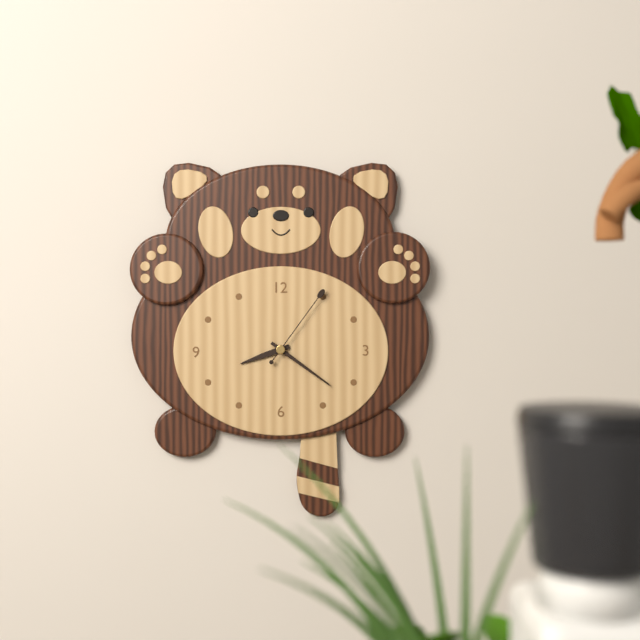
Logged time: 8 h 21 min 06 s
